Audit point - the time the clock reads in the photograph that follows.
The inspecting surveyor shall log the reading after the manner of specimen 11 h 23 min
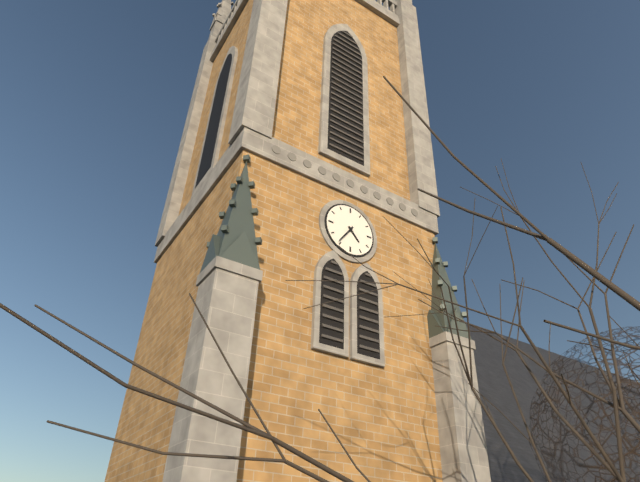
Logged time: 4 h 36 min
